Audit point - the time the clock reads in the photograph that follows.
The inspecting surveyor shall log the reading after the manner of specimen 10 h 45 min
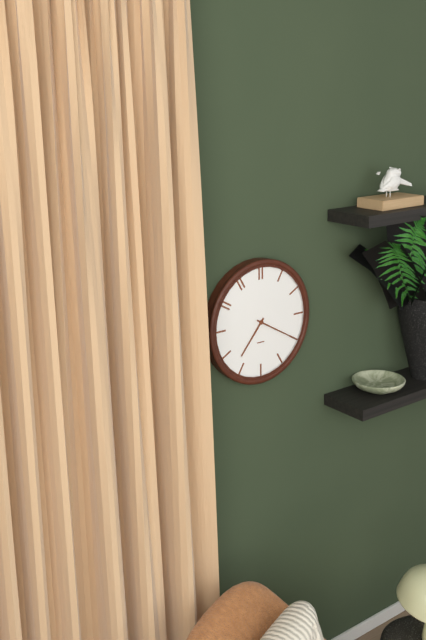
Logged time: 7 h 20 min
